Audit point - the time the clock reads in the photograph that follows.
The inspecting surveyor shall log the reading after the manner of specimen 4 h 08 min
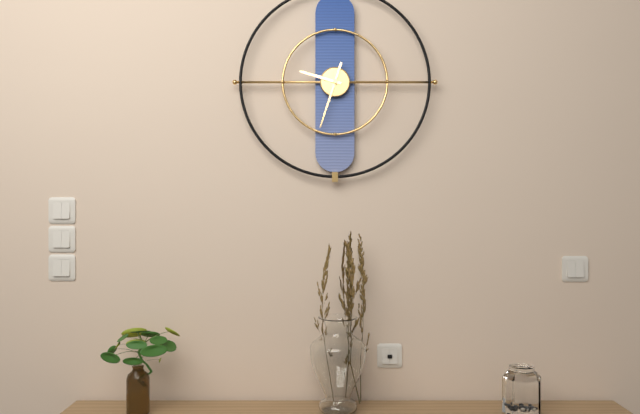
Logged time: 9 h 33 min
